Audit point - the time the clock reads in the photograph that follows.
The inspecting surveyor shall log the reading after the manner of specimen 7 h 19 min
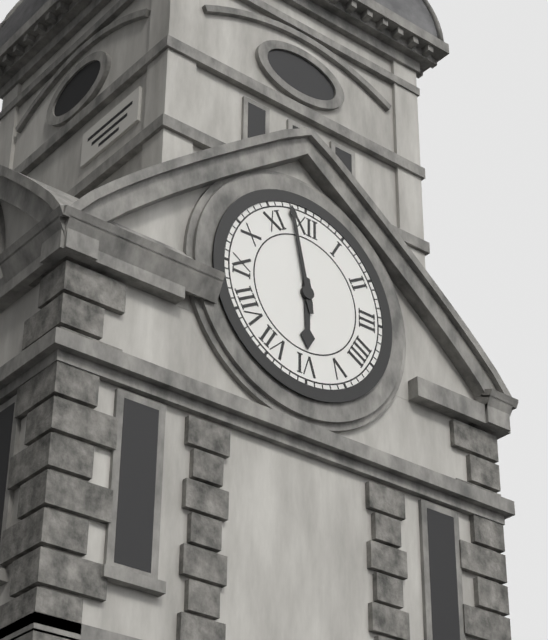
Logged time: 5 h 58 min
